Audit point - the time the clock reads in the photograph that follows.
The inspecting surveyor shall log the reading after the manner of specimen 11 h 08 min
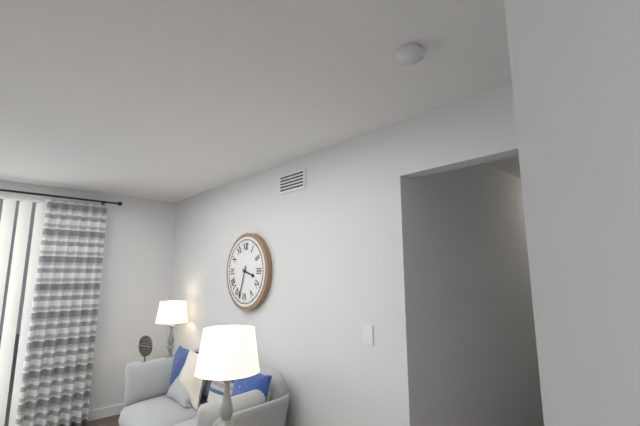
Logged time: 3 h 33 min
